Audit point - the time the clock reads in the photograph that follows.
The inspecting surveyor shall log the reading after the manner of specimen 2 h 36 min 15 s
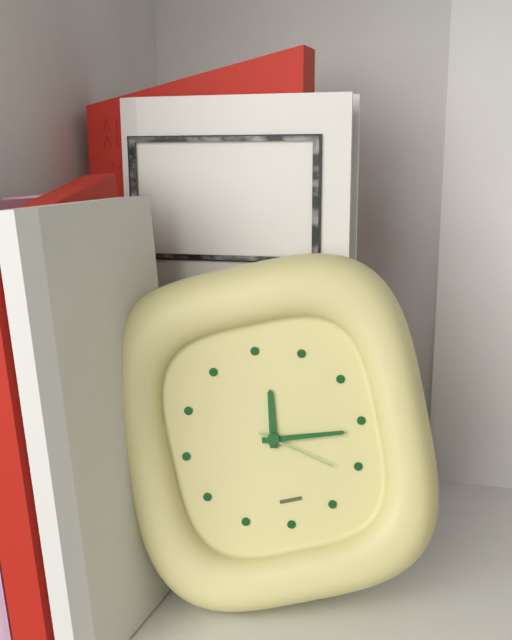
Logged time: 12 h 16 min 21 s
